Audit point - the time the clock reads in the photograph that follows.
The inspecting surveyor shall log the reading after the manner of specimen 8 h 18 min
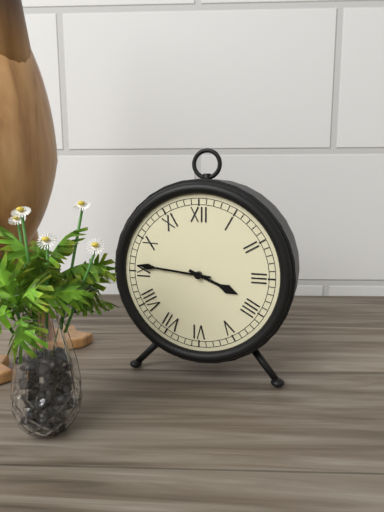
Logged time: 3 h 46 min
